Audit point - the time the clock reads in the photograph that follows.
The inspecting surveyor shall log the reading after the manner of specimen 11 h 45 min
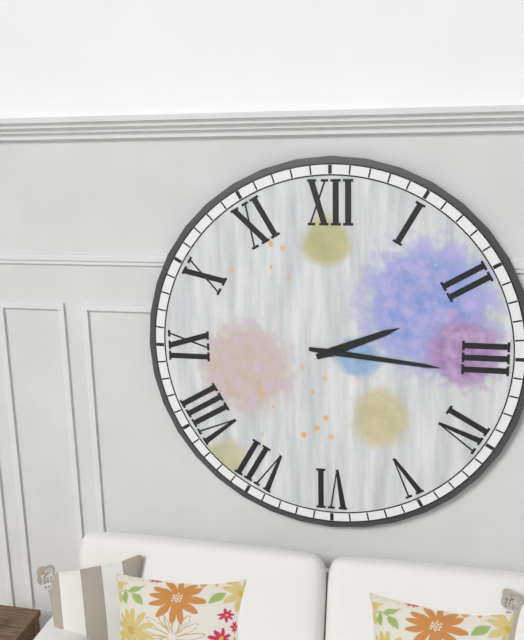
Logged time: 2 h 16 min
